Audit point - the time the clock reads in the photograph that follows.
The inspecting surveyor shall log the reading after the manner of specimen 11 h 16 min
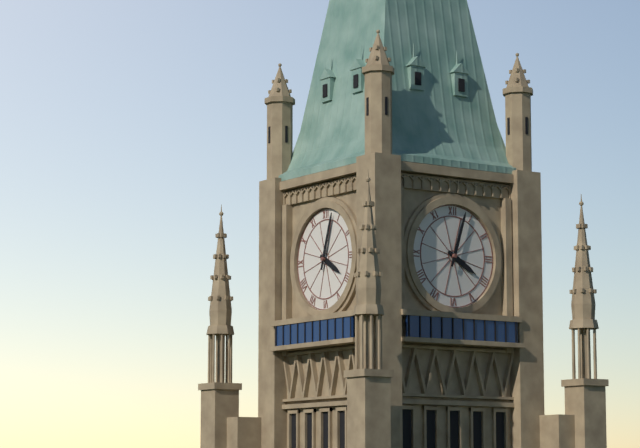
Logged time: 4 h 03 min
